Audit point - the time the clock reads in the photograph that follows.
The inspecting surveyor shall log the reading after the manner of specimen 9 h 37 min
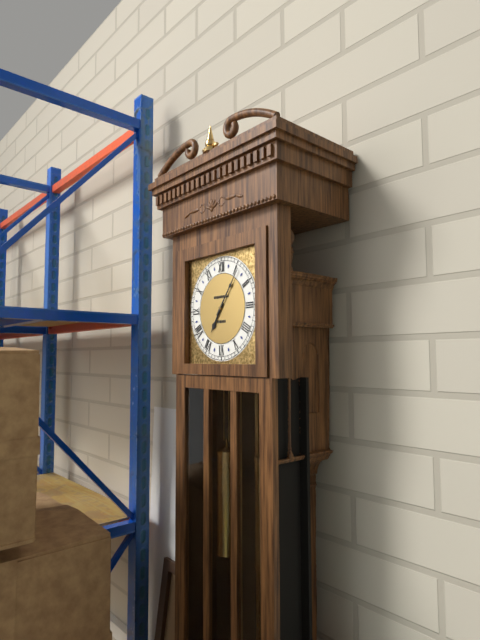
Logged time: 7 h 06 min
